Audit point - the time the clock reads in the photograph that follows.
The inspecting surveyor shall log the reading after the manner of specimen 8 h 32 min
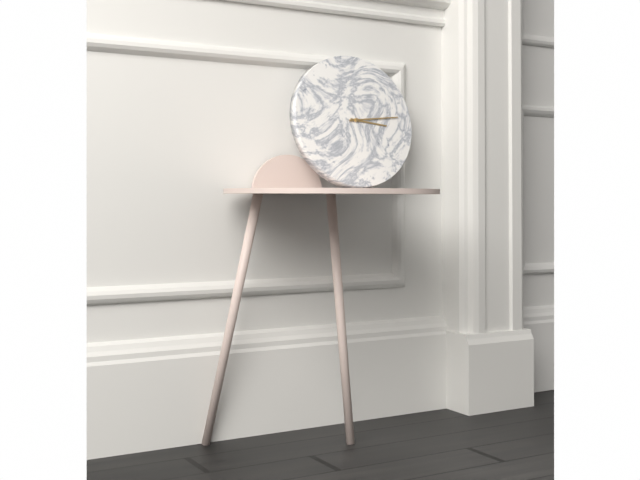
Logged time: 3 h 14 min
